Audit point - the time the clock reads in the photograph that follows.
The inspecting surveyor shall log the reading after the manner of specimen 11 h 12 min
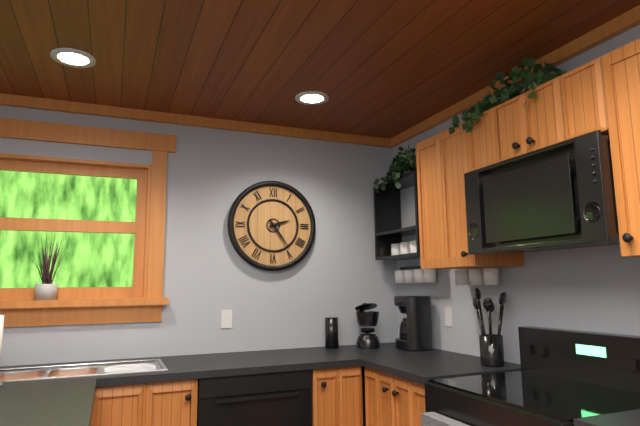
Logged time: 2 h 24 min
